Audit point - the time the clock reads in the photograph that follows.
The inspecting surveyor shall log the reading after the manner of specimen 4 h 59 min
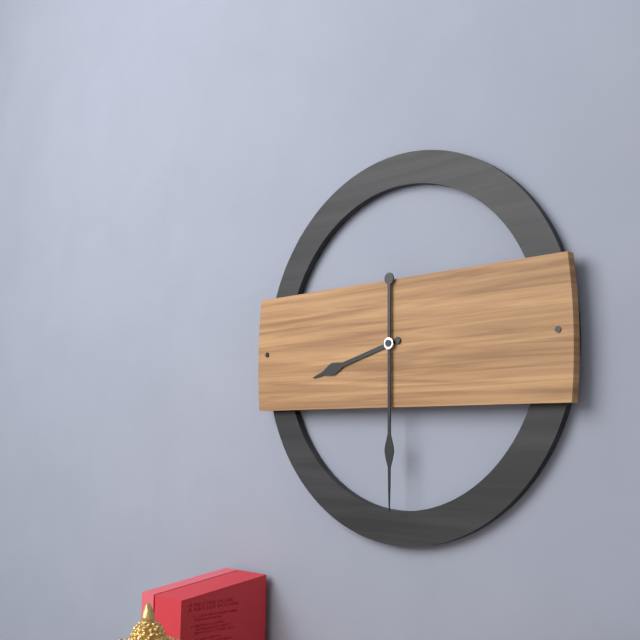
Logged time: 8 h 30 min
